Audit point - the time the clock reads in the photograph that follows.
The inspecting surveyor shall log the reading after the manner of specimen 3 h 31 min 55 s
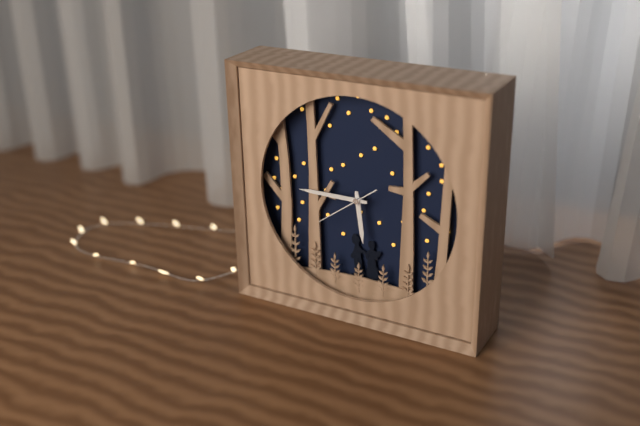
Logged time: 5 h 45 min 39 s
